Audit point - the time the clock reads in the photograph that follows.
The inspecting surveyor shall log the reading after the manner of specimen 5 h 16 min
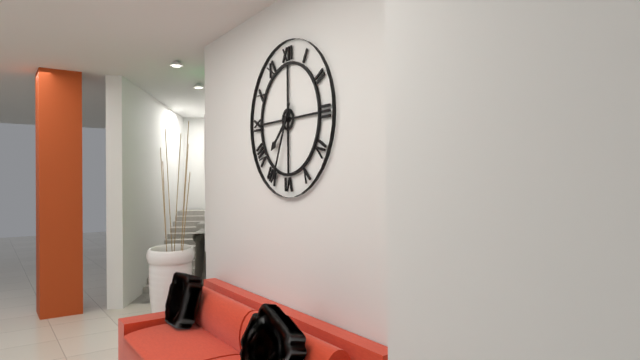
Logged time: 7 h 34 min
